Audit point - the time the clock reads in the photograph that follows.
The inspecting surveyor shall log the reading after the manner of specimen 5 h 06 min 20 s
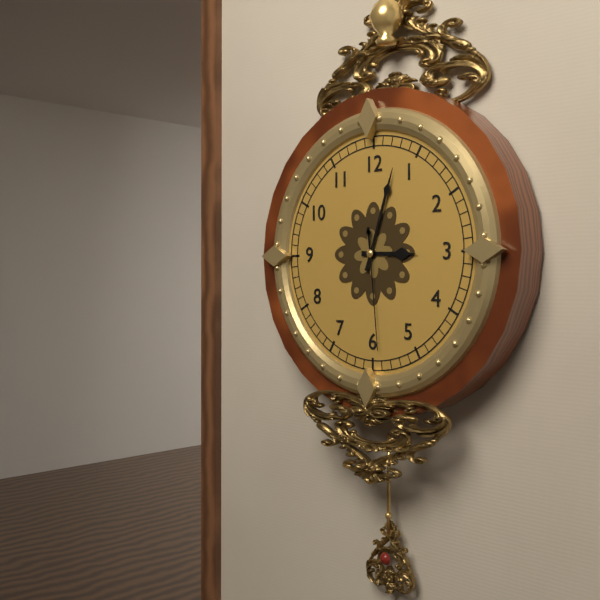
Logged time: 3 h 03 min 29 s
